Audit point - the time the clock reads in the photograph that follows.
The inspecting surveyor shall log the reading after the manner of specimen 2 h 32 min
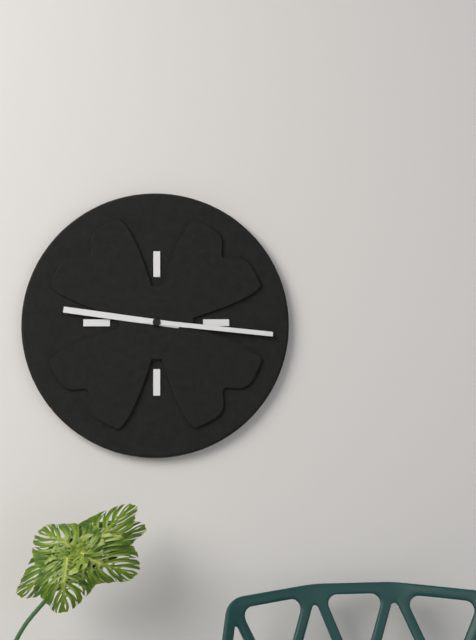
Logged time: 9 h 16 min
